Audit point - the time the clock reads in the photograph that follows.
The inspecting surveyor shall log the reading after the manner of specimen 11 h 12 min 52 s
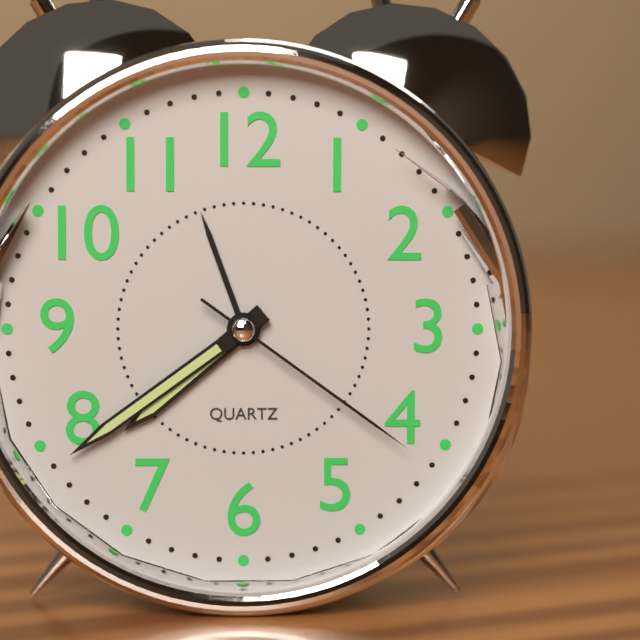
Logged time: 7 h 39 min 21 s
